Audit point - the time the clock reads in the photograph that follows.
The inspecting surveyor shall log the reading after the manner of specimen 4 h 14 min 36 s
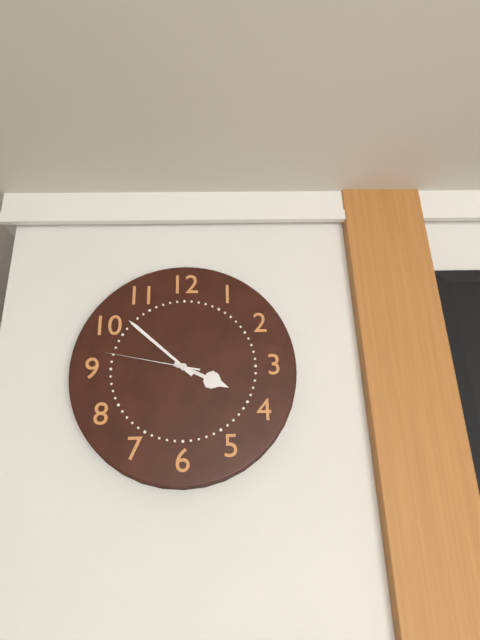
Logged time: 3 h 52 min 47 s
